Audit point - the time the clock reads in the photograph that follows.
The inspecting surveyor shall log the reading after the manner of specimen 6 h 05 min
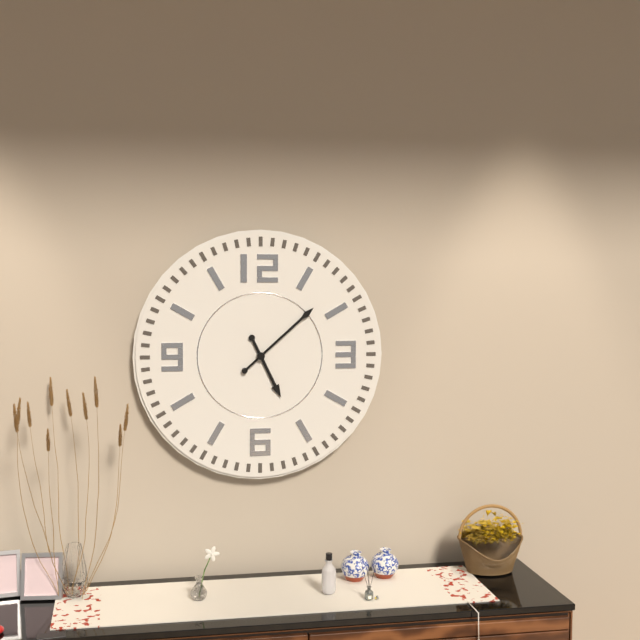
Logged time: 5 h 08 min
